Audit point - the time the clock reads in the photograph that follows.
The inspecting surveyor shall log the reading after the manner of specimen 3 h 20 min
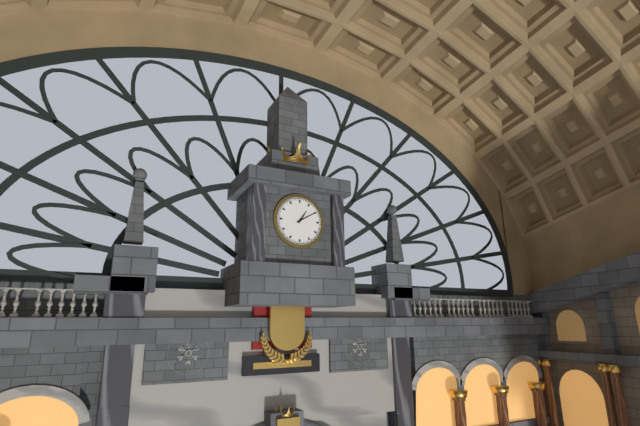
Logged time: 1 h 10 min
